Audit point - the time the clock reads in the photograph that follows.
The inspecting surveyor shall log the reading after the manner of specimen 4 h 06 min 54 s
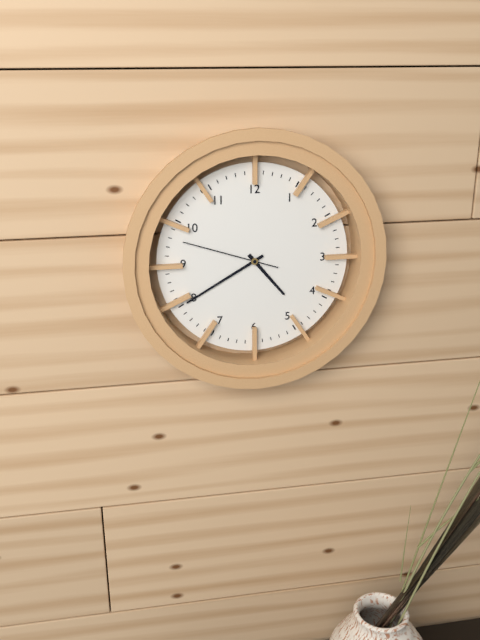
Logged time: 4 h 40 min 48 s
